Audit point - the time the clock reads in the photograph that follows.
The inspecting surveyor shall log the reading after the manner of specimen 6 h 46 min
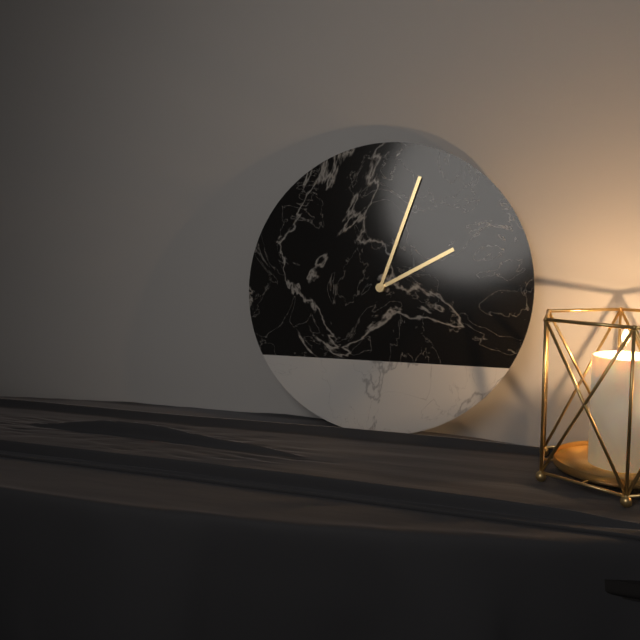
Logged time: 2 h 03 min
